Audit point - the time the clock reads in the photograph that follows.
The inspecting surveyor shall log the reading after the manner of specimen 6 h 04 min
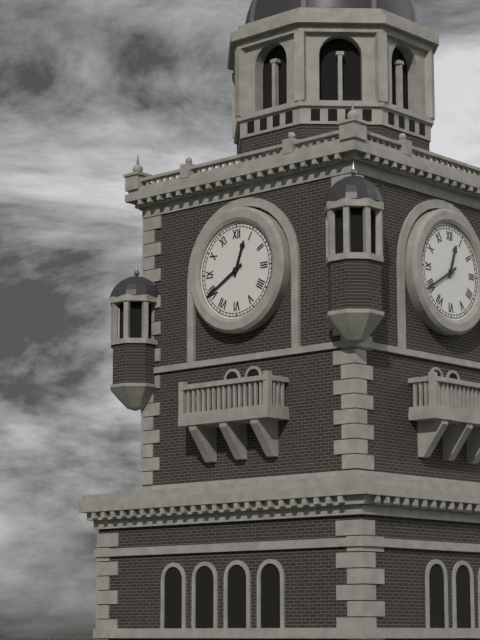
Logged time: 12 h 40 min
